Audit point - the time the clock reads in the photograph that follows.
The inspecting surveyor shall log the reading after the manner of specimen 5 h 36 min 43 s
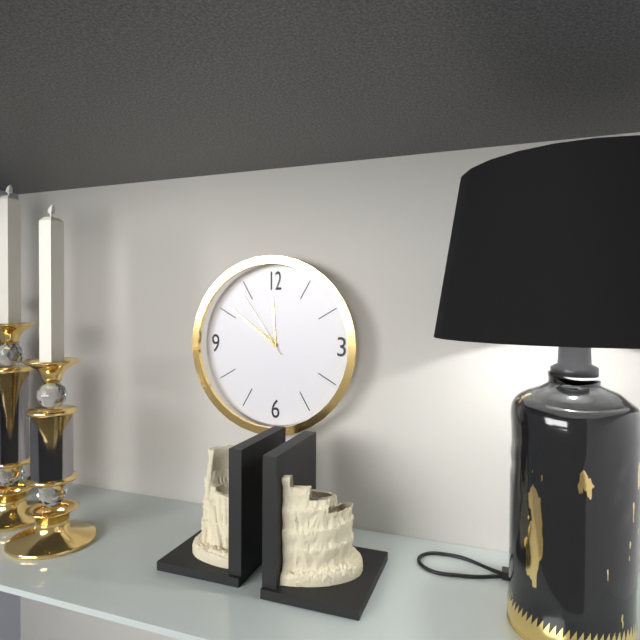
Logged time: 11 h 51 min 54 s
